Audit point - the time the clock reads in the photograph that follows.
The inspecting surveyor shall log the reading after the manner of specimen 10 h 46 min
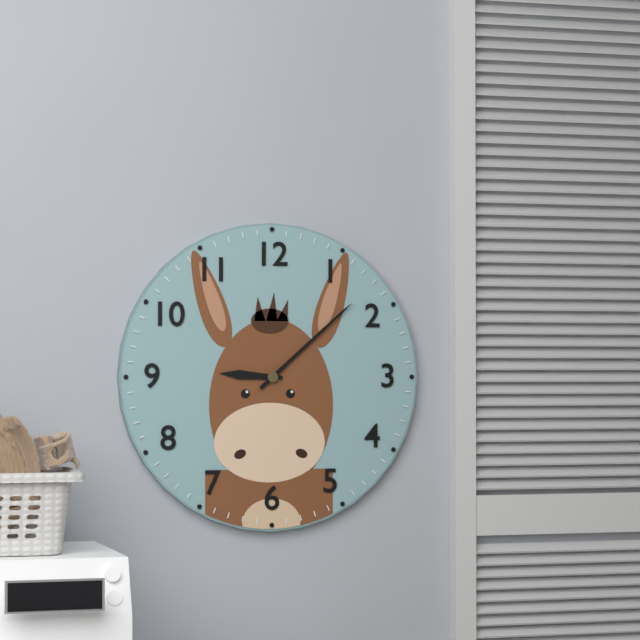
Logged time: 9 h 08 min
